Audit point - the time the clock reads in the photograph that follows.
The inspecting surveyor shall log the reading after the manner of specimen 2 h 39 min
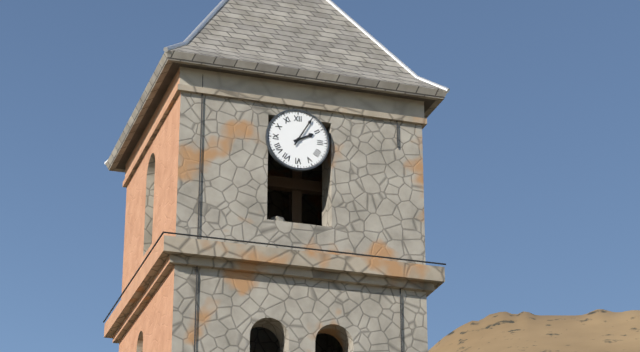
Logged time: 2 h 05 min
